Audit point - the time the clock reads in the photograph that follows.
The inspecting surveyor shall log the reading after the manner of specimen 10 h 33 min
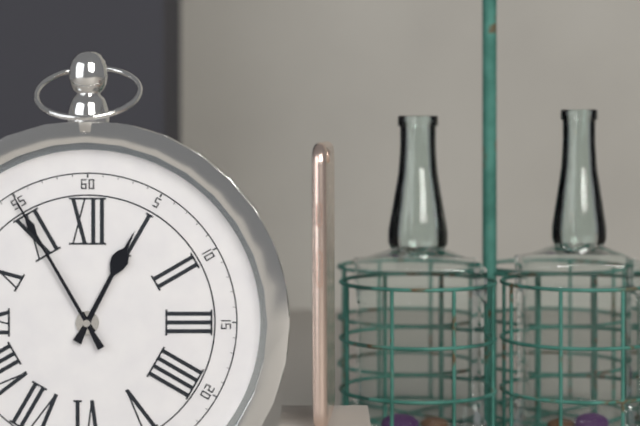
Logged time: 12 h 55 min
